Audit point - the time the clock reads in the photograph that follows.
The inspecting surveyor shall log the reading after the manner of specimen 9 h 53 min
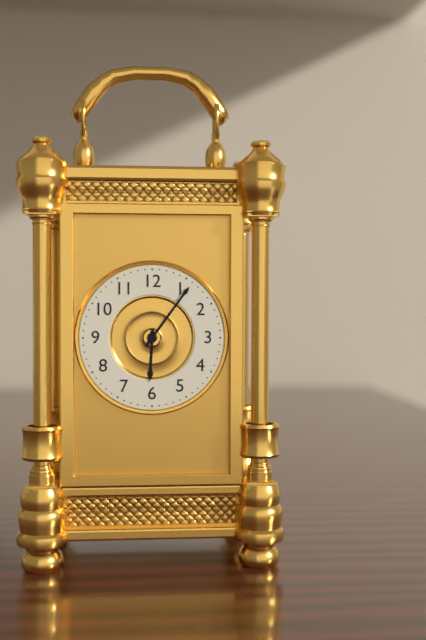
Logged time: 6 h 06 min
